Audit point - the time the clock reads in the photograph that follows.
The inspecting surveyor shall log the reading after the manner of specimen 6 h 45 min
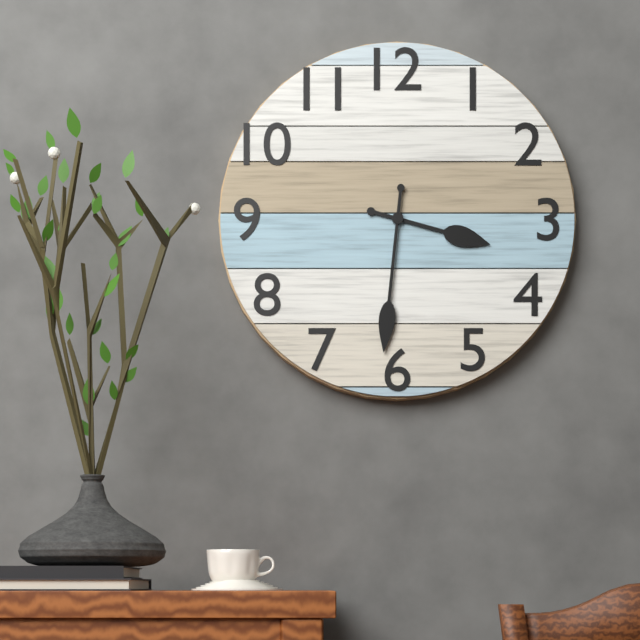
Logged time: 3 h 31 min
